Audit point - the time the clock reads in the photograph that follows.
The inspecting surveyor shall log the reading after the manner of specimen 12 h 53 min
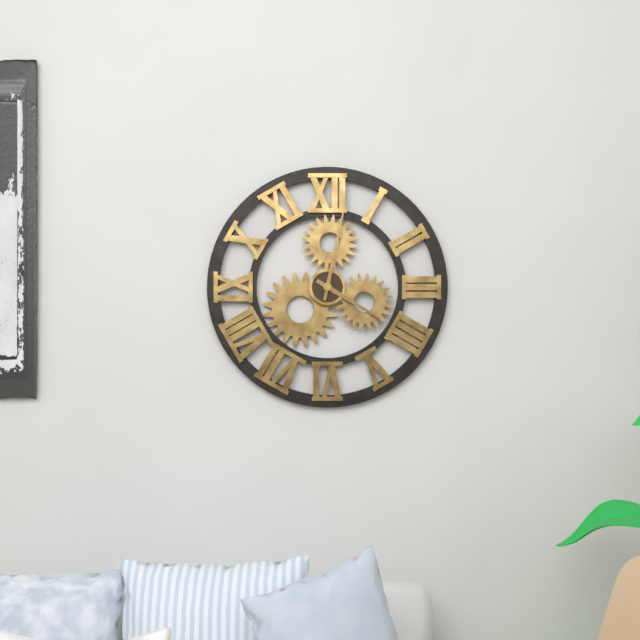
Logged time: 4 h 02 min
